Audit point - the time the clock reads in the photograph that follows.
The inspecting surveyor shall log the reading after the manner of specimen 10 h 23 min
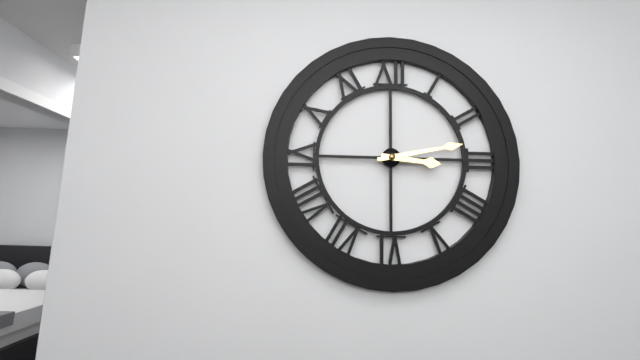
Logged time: 3 h 13 min
